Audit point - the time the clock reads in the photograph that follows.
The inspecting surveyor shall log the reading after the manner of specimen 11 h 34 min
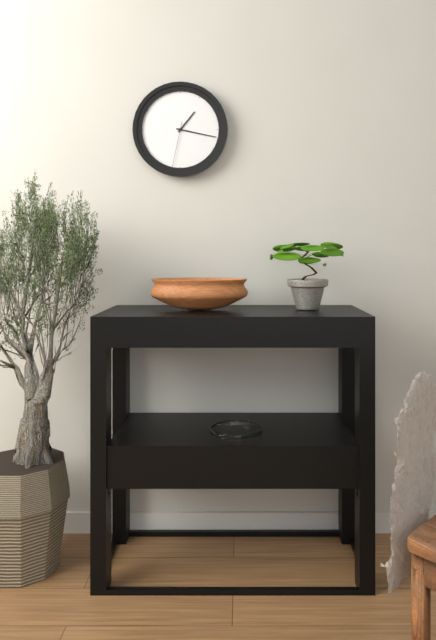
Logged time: 1 h 17 min
